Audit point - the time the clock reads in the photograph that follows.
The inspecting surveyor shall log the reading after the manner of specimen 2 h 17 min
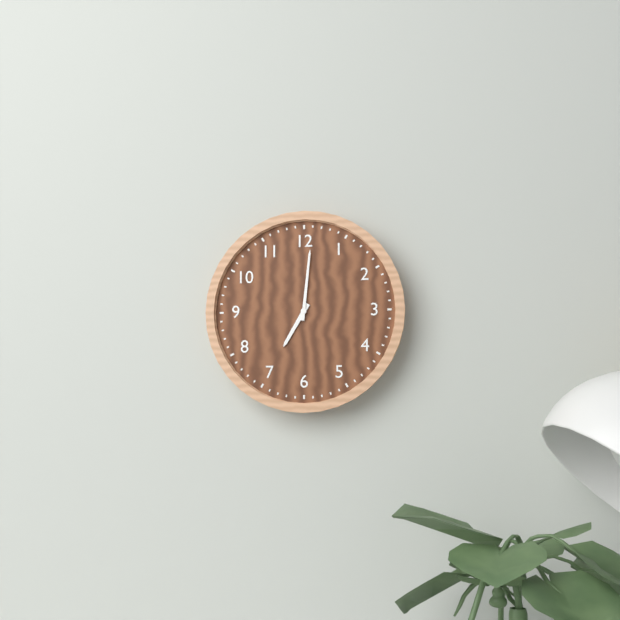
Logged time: 7 h 01 min
